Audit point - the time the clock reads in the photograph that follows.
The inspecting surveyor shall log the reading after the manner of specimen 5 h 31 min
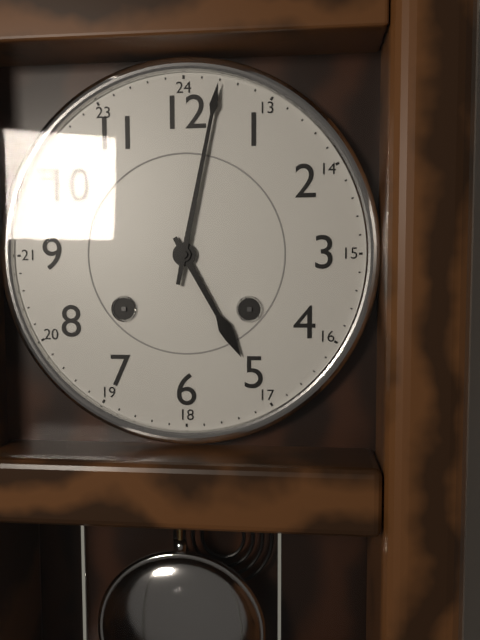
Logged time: 5 h 02 min
